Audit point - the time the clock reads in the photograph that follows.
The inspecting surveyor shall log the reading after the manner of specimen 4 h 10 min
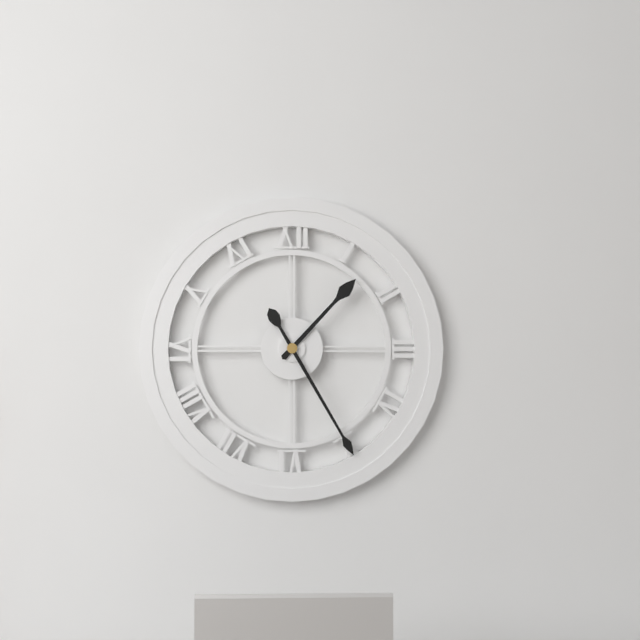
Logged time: 1 h 25 min
